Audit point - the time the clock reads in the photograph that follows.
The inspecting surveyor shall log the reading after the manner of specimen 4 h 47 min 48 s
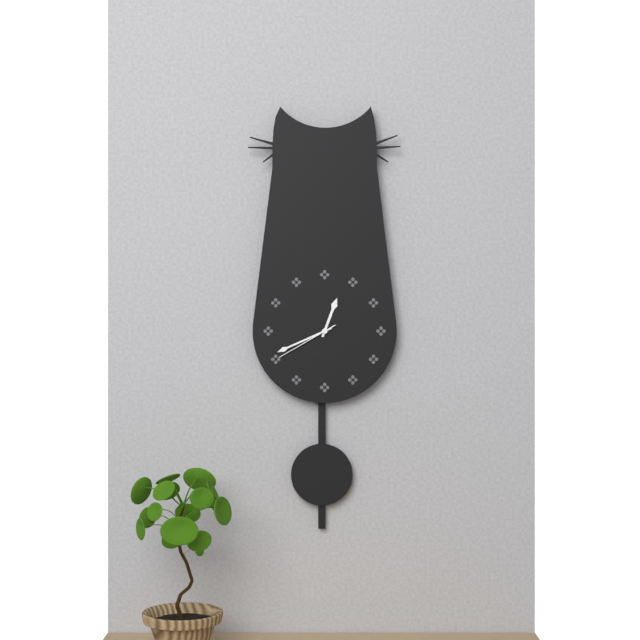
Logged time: 12 h 41 min 40 s
